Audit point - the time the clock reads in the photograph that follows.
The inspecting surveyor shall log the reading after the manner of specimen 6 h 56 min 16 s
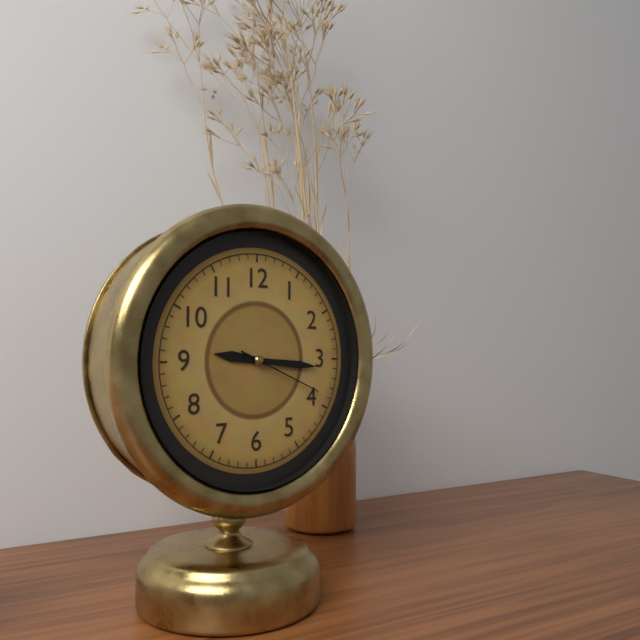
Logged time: 9 h 16 min 19 s
